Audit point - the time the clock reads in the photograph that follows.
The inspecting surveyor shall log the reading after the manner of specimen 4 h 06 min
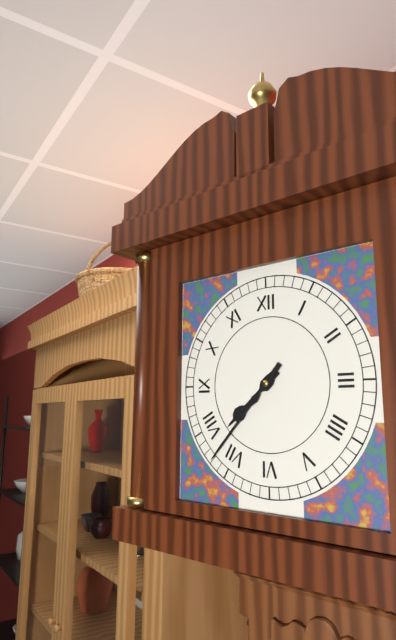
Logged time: 7 h 37 min
